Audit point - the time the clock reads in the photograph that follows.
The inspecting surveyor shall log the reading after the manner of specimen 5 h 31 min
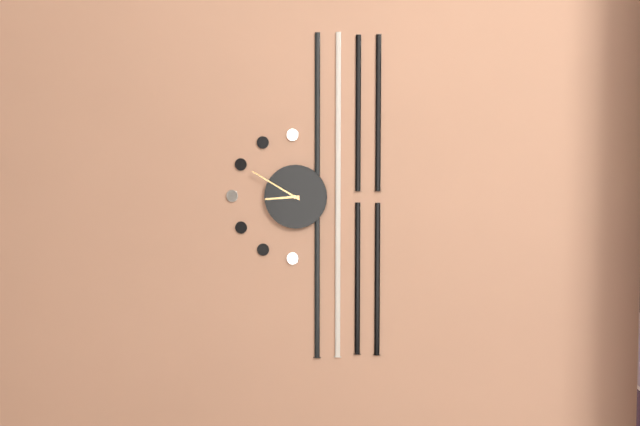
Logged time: 8 h 50 min
